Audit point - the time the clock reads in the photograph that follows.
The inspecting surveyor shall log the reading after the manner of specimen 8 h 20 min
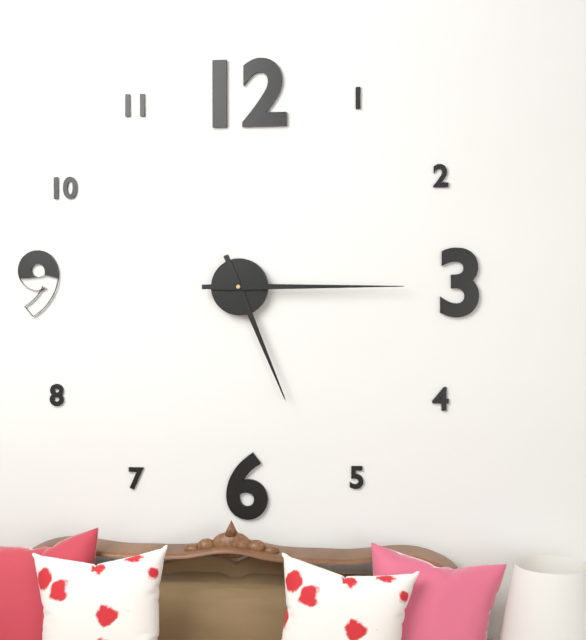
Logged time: 5 h 15 min
